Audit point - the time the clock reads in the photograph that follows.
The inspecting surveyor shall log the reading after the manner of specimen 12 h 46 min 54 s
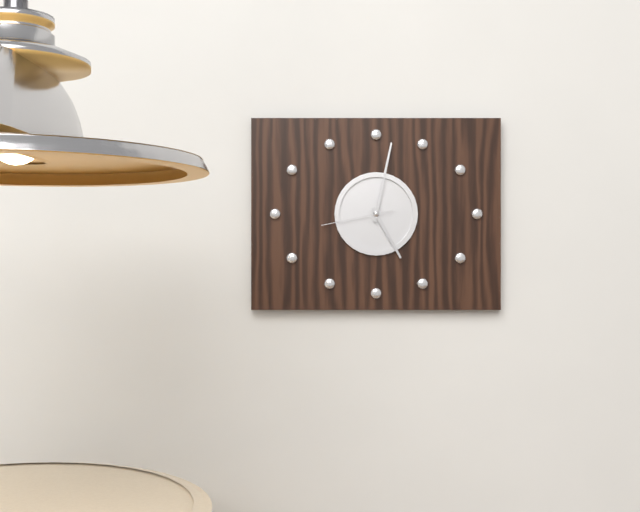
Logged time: 5 h 02 min 43 s
